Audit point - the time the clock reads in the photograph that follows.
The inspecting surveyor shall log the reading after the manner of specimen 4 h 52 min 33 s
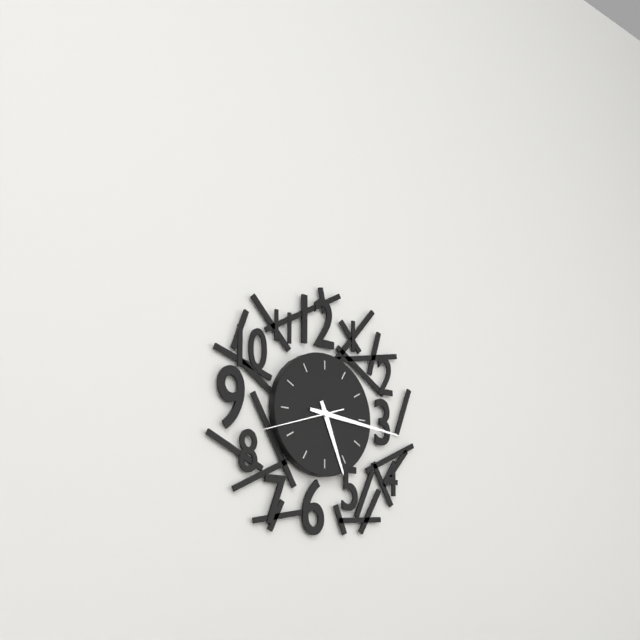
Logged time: 5 h 16 min 42 s
